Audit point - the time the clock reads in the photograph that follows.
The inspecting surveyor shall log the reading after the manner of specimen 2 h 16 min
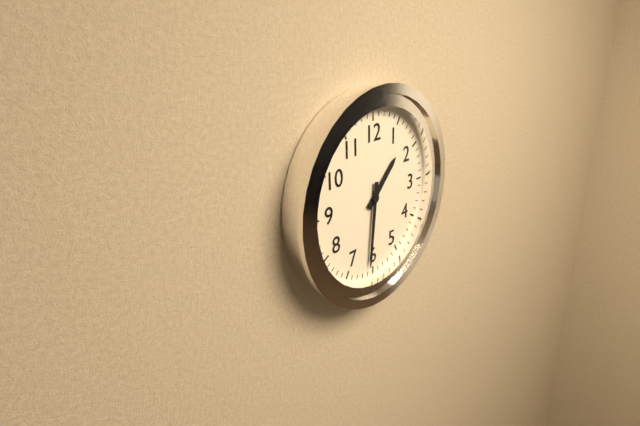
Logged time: 1 h 31 min
